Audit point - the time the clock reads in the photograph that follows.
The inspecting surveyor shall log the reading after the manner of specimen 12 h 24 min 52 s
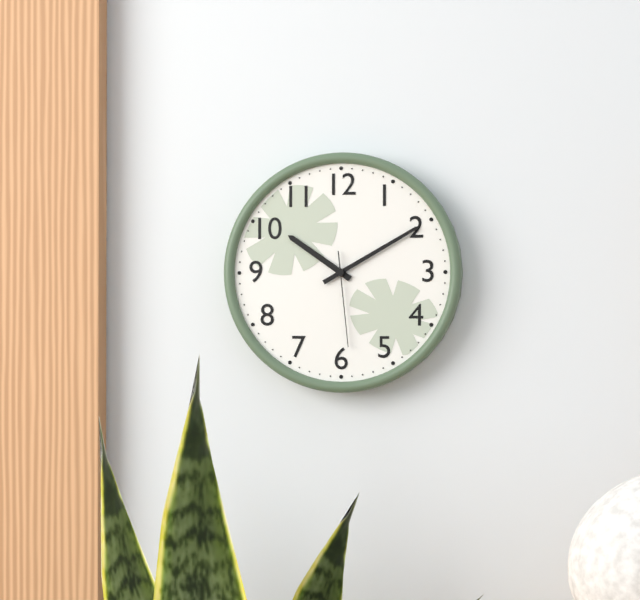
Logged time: 10 h 10 min 29 s
